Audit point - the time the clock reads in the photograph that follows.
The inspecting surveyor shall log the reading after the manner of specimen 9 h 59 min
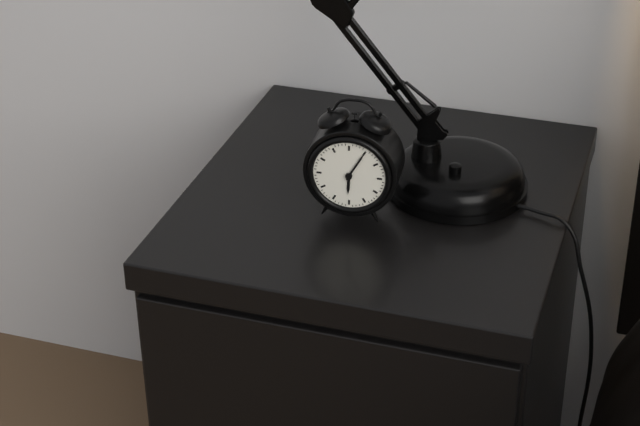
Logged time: 6 h 05 min
